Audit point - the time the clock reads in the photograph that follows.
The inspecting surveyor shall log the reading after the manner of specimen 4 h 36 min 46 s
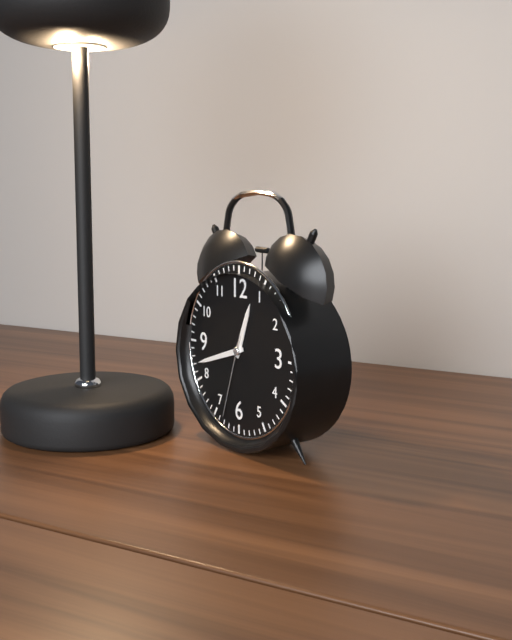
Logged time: 12 h 42 min 33 s
